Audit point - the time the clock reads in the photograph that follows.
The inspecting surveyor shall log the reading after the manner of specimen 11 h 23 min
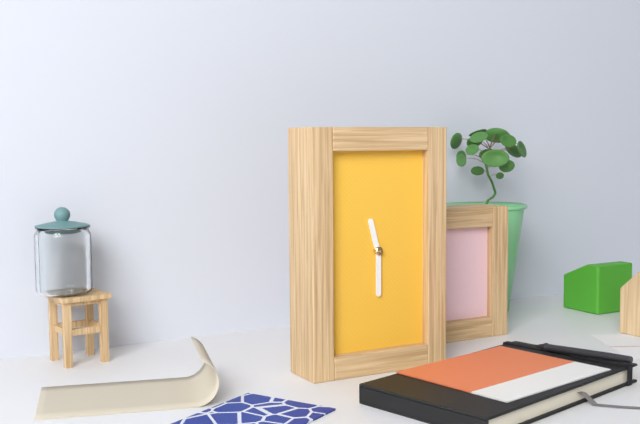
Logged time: 11 h 30 min
